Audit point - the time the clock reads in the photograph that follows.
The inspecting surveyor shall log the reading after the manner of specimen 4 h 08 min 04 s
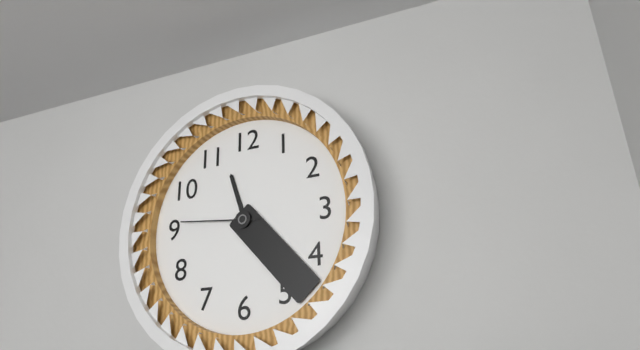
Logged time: 11 h 23 min 46 s
